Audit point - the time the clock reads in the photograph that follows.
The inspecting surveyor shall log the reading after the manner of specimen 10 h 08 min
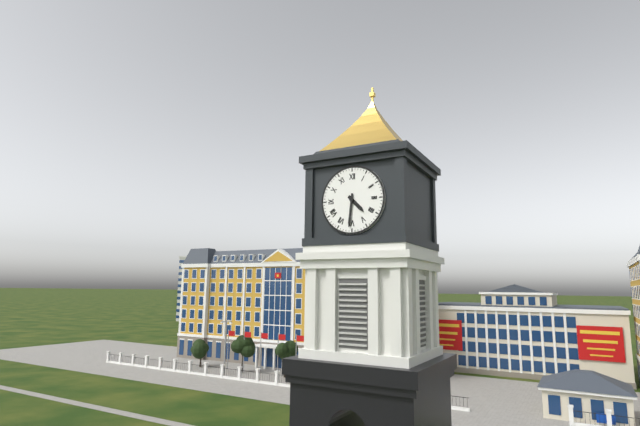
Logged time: 4 h 31 min
